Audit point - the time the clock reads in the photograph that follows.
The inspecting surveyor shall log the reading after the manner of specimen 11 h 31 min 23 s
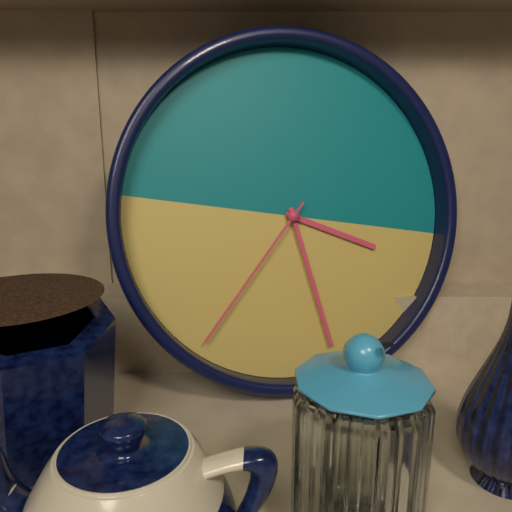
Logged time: 3 h 26 min 35 s
